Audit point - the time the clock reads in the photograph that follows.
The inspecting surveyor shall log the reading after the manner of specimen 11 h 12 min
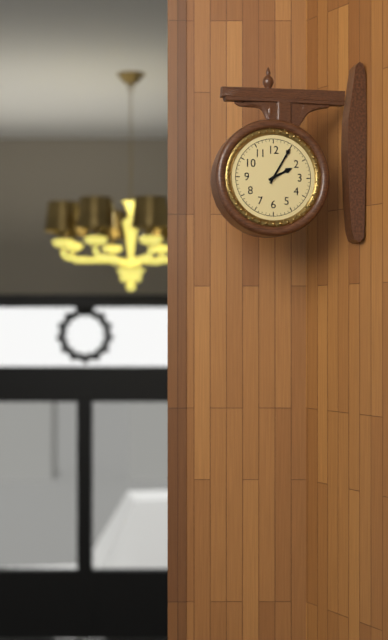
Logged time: 2 h 05 min
